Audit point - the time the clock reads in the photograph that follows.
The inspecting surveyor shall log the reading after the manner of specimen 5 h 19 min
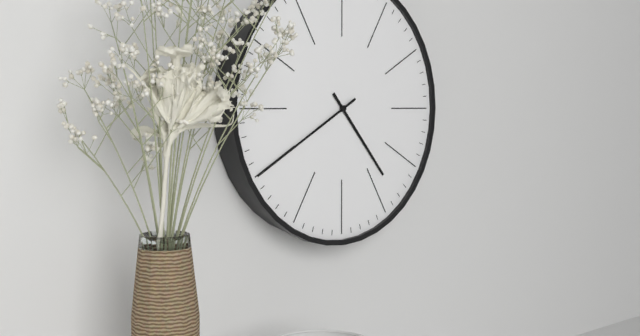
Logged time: 4 h 40 min
